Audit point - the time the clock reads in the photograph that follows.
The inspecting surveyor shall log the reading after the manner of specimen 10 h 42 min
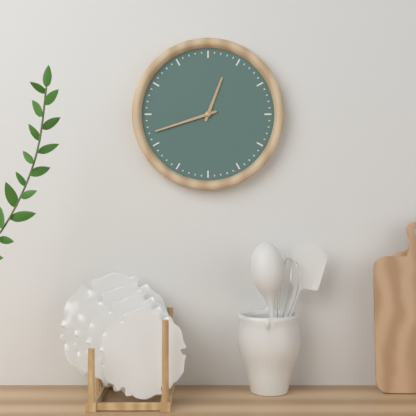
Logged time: 12 h 42 min
